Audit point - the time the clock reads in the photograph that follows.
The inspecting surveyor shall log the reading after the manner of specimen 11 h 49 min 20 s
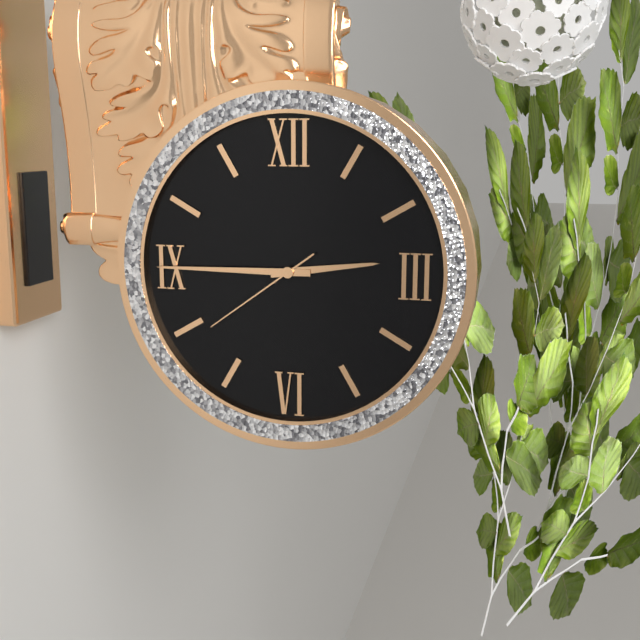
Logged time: 2 h 45 min 39 s
